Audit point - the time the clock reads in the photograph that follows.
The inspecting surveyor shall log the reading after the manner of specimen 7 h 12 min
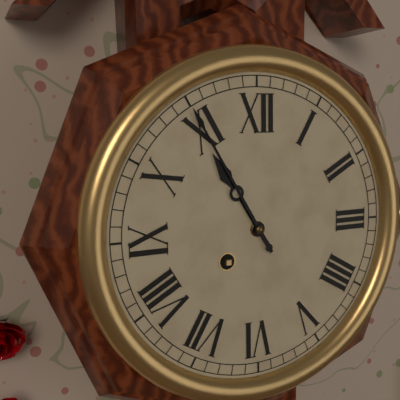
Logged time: 10 h 55 min
